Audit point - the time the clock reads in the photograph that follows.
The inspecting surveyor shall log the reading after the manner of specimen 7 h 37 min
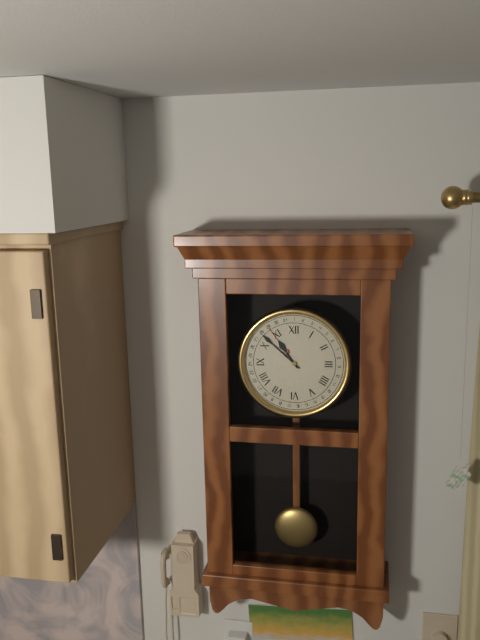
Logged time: 10 h 52 min
